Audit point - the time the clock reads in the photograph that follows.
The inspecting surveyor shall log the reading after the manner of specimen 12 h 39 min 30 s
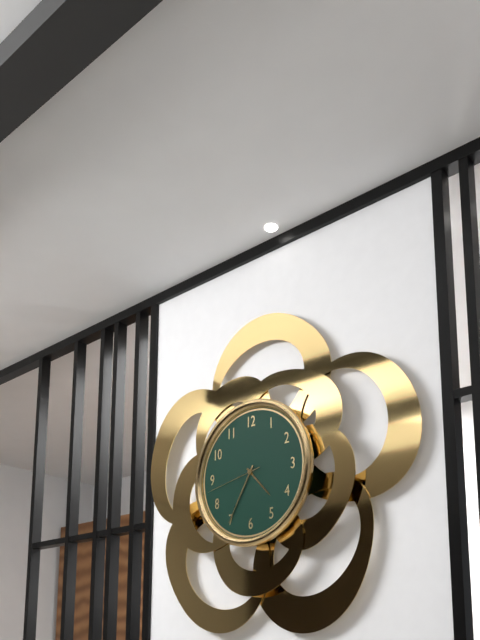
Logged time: 4 h 35 min 43 s
